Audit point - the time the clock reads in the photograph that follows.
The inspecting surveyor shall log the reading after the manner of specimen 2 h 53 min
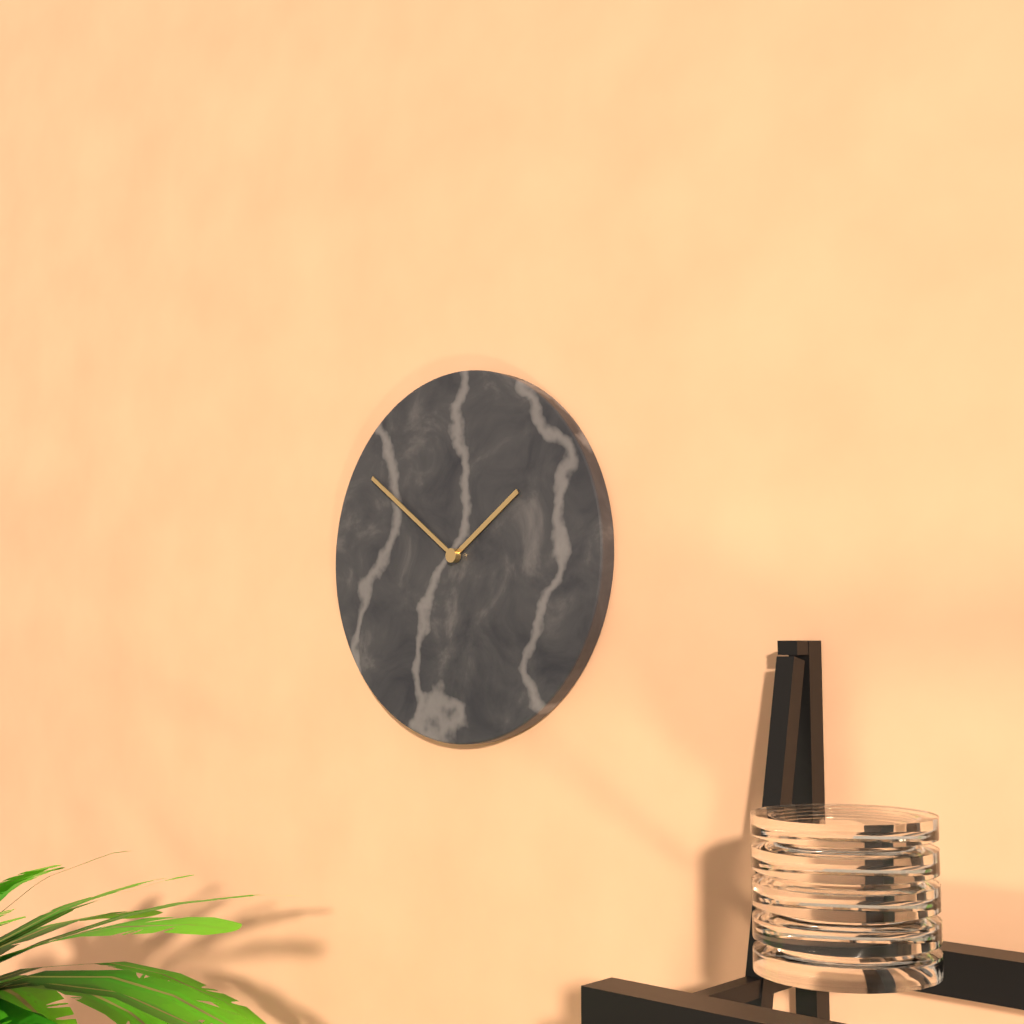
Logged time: 1 h 51 min
